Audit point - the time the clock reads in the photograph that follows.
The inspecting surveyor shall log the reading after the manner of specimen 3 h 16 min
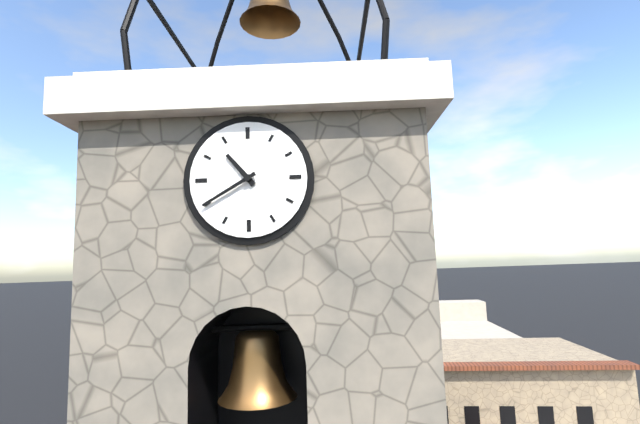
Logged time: 10 h 40 min
